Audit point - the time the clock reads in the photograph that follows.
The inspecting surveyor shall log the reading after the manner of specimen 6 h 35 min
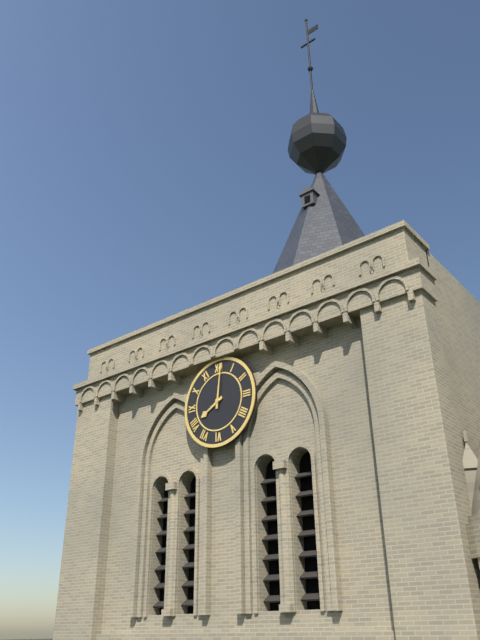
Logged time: 8 h 01 min
